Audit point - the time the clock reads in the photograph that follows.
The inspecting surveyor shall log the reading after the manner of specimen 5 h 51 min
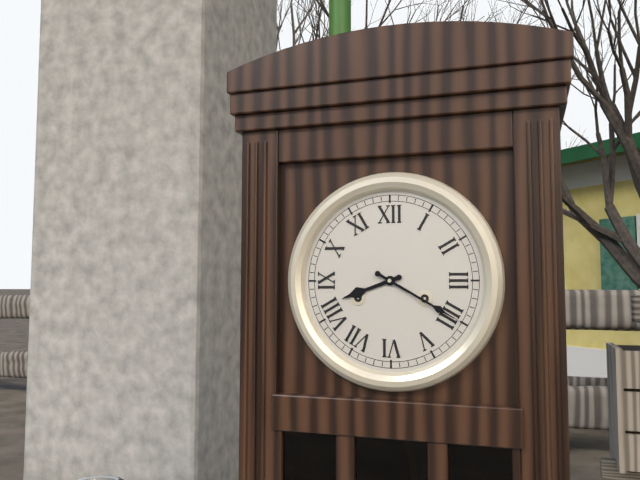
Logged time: 8 h 20 min
